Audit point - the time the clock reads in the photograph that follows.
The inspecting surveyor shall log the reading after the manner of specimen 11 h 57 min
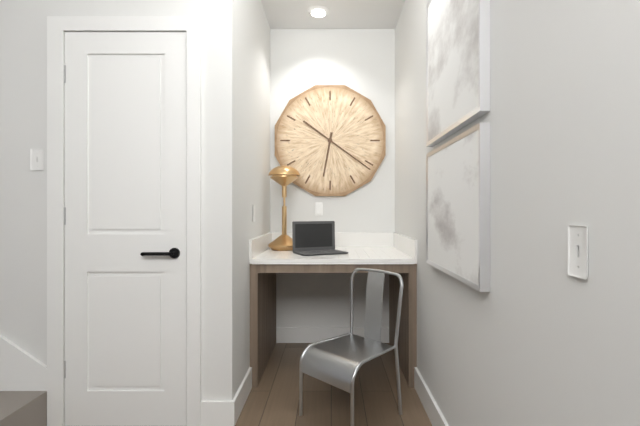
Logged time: 6 h 21 min
